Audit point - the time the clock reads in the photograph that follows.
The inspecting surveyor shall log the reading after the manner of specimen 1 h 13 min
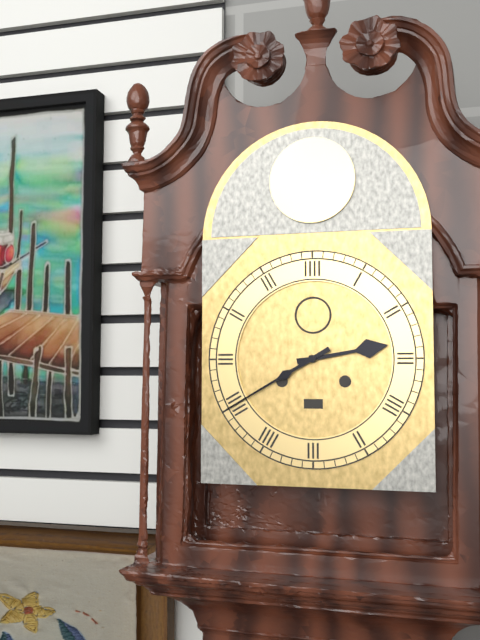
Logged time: 2 h 40 min
